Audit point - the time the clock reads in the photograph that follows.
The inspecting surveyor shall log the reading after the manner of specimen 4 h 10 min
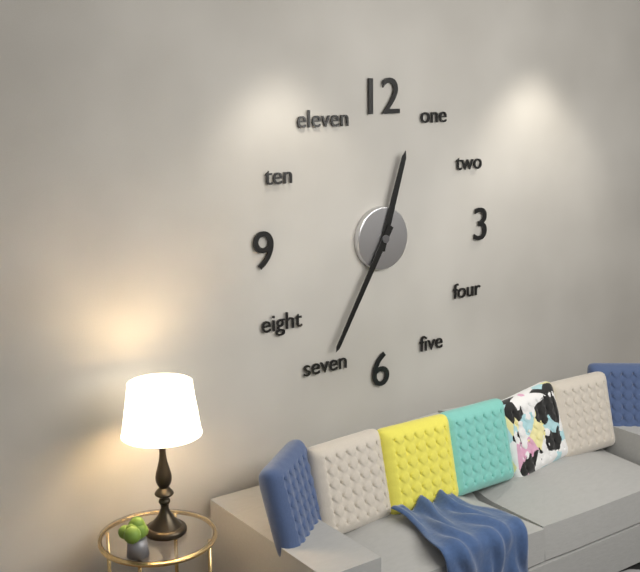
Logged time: 12 h 35 min
